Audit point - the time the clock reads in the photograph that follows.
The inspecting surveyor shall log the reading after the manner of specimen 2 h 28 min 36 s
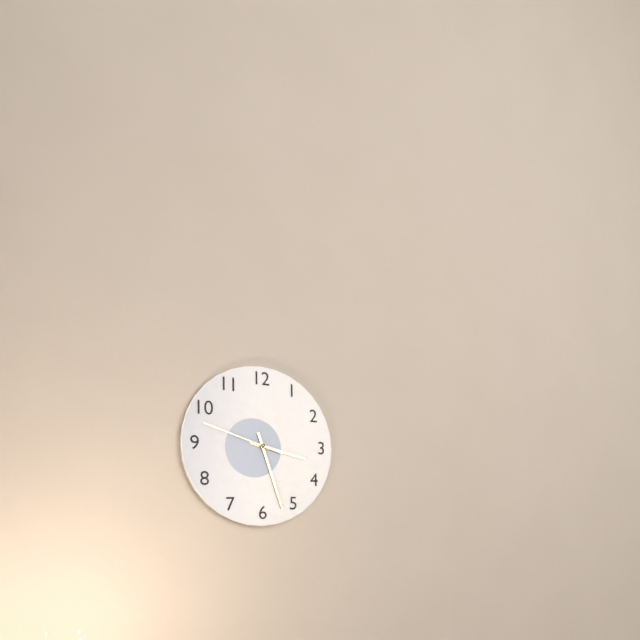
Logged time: 3 h 27 min 48 s
